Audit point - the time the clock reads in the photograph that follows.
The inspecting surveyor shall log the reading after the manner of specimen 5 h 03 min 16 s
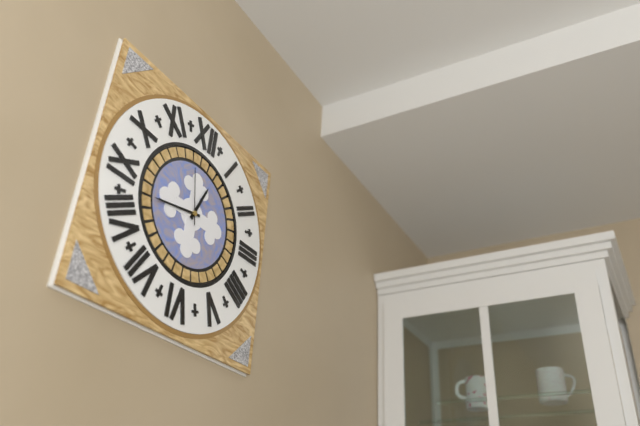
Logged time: 12 h 43 min 58 s
